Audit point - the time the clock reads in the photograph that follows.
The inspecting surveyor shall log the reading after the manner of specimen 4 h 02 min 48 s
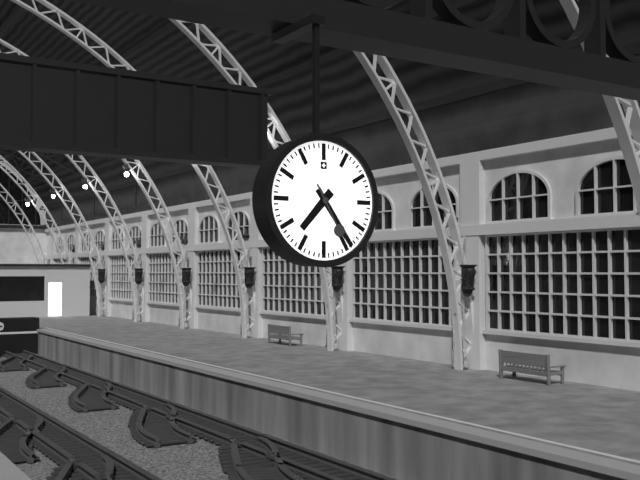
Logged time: 7 h 24 min 25 s
